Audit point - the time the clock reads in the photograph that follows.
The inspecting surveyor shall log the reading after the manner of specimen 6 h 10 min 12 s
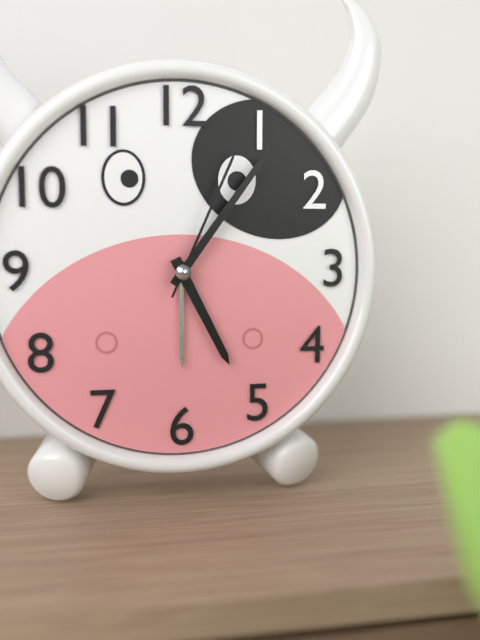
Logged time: 5 h 06 min 04 s
